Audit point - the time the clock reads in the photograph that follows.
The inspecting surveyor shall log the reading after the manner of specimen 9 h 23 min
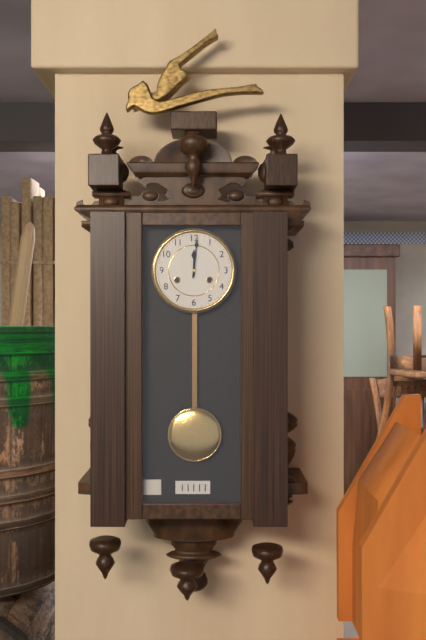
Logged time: 12 h 01 min
